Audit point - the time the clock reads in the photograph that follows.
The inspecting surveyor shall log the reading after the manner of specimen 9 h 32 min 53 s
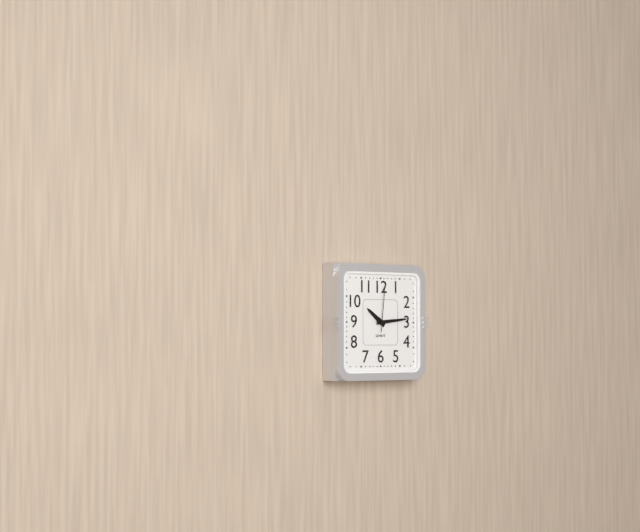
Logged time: 10 h 14 min 01 s
